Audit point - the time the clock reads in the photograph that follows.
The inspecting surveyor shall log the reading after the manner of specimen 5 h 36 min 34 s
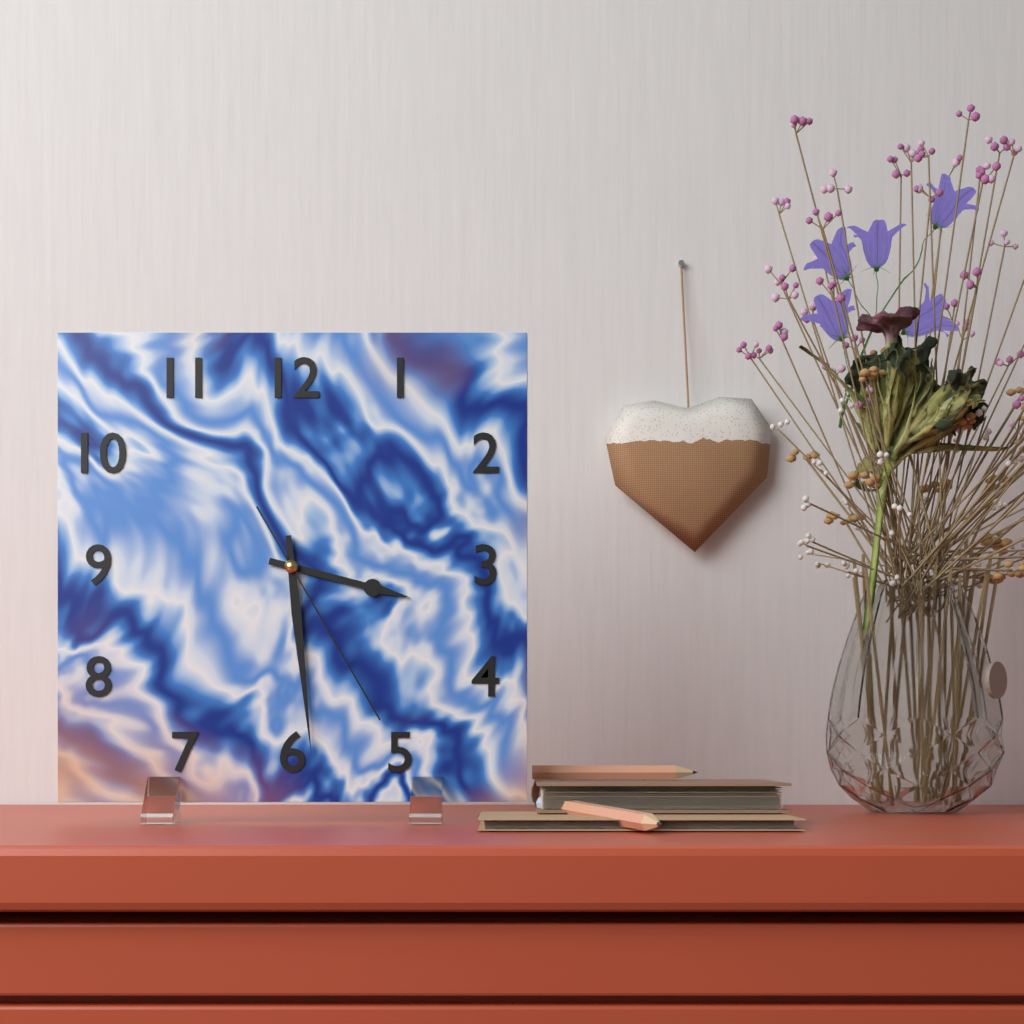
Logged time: 3 h 29 min 25 s
